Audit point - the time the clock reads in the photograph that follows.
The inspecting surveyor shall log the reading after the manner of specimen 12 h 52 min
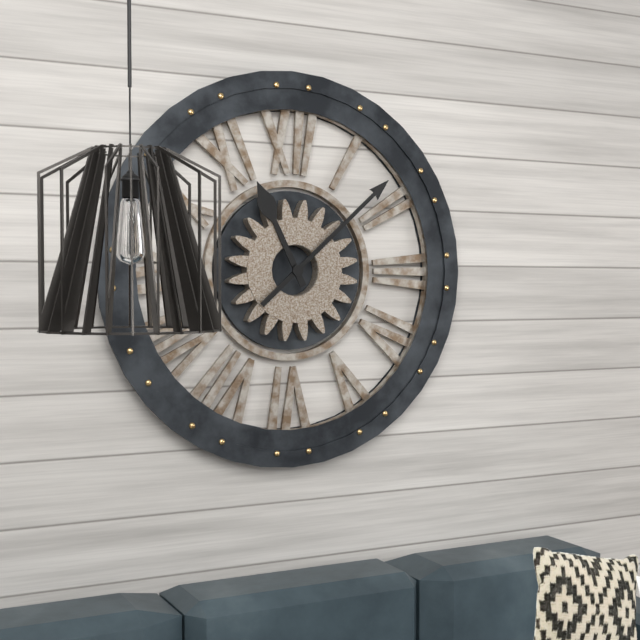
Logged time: 11 h 08 min
